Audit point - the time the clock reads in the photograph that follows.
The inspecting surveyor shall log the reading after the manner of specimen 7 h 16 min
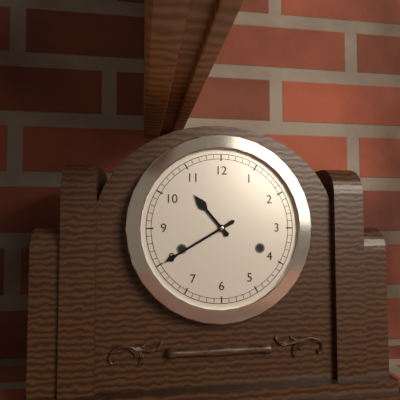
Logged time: 10 h 40 min
